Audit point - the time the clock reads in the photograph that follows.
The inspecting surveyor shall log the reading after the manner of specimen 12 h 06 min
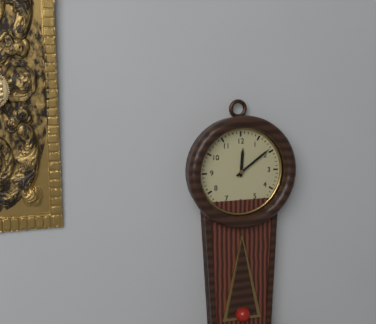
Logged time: 12 h 09 min
